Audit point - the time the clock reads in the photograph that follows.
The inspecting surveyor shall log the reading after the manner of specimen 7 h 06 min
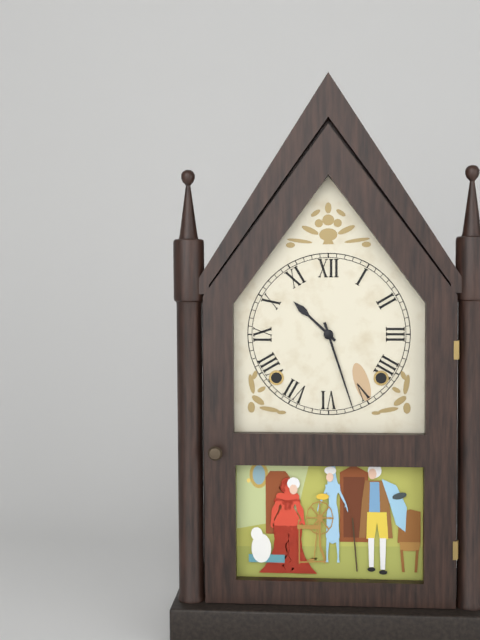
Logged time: 10 h 27 min
